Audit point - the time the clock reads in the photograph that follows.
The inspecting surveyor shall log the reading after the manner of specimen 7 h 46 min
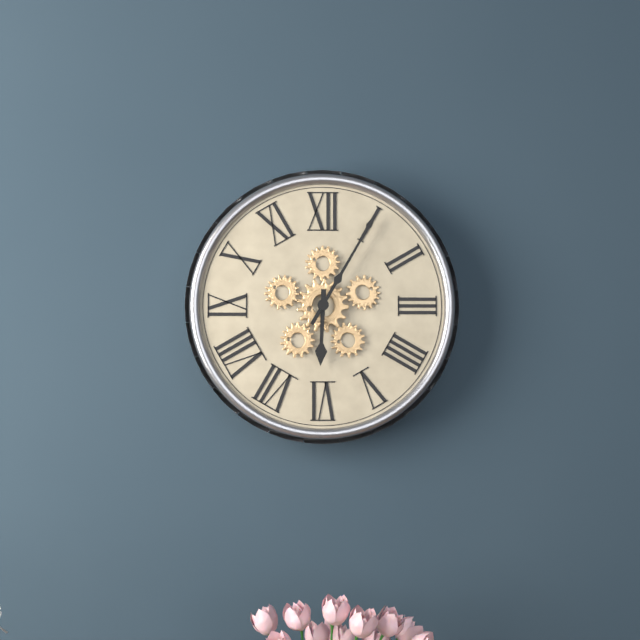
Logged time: 6 h 05 min
